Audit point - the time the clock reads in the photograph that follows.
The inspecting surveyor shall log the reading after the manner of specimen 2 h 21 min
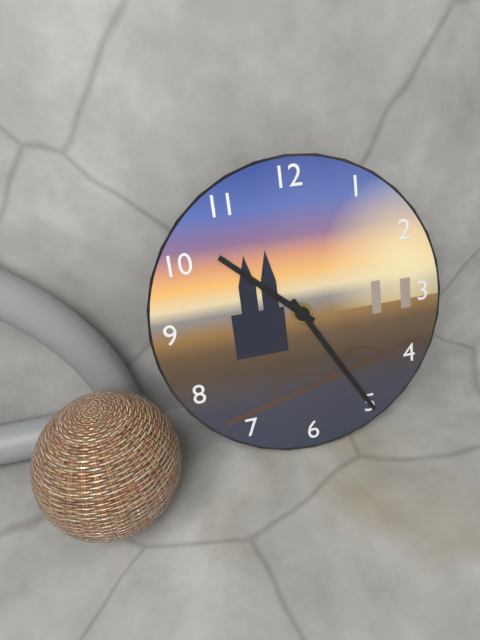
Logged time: 10 h 25 min
